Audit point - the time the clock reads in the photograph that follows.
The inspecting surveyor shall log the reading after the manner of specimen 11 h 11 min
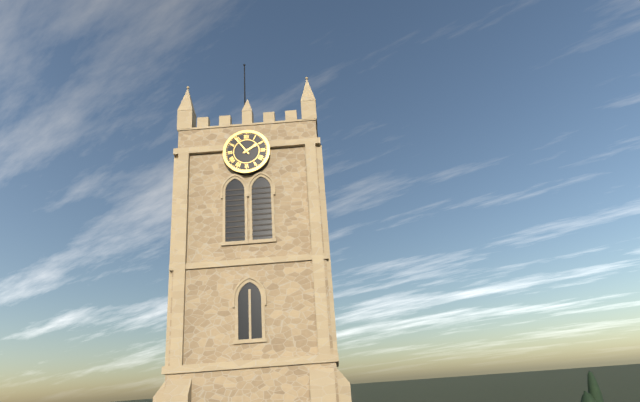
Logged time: 1 h 54 min
